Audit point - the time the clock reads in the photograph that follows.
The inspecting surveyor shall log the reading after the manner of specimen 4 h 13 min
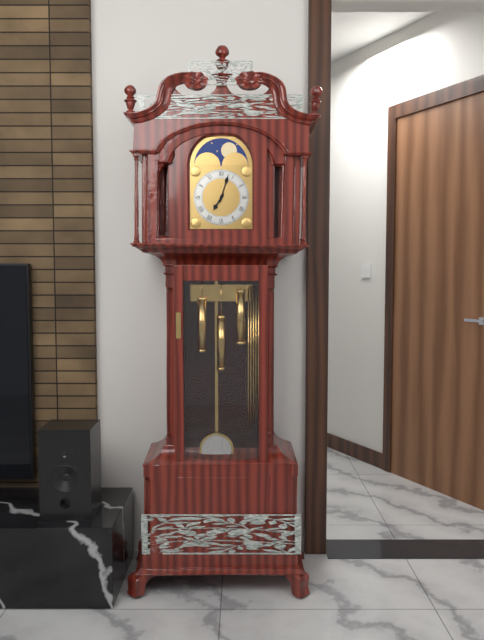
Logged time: 7 h 03 min
